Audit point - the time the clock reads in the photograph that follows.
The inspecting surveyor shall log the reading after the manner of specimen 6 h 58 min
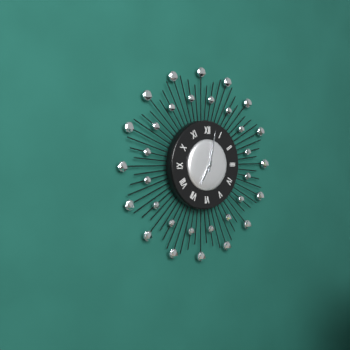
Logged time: 7 h 02 min
